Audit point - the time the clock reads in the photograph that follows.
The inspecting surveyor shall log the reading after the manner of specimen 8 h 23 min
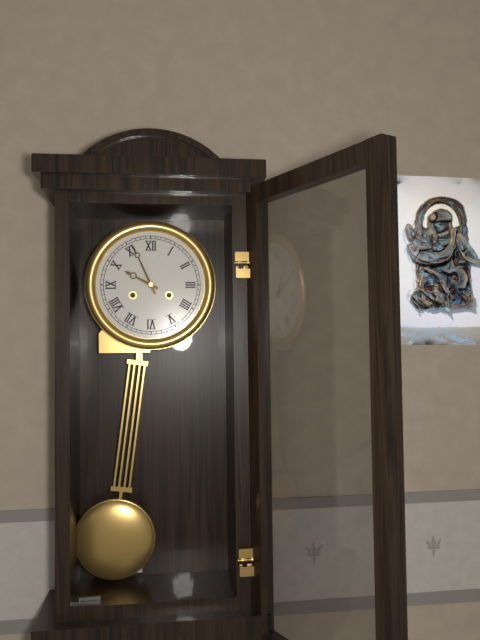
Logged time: 9 h 56 min
